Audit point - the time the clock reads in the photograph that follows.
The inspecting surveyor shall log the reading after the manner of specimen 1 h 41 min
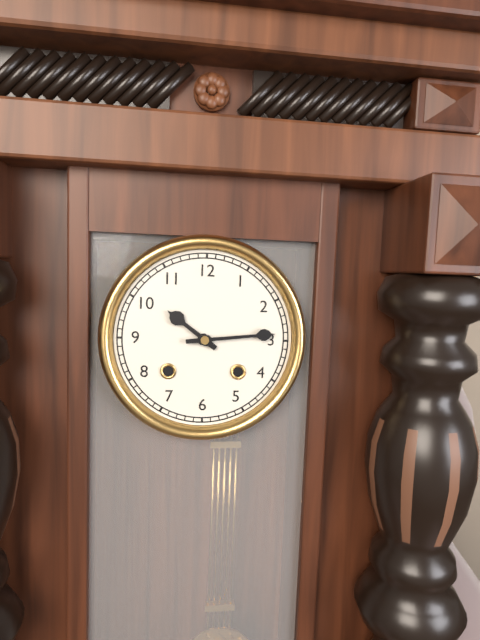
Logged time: 10 h 14 min
